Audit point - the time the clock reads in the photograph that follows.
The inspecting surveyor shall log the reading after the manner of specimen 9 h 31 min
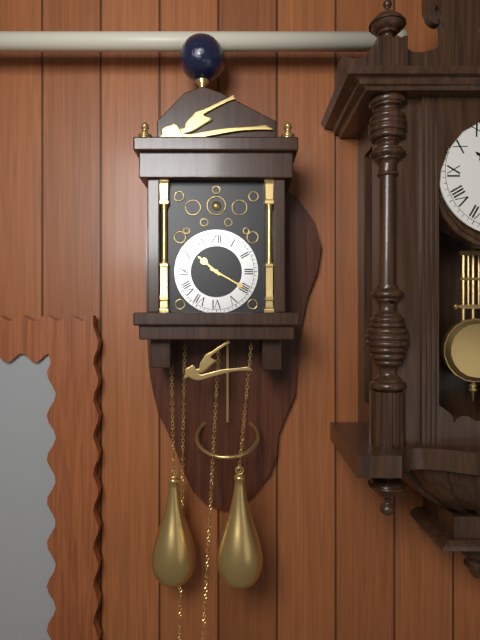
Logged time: 10 h 20 min
